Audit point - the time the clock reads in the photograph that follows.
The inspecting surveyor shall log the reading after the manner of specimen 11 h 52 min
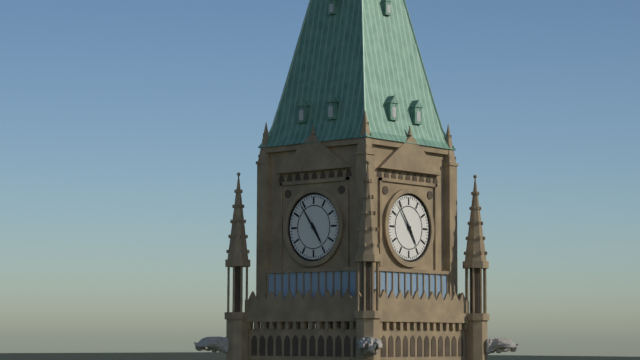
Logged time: 4 h 54 min
